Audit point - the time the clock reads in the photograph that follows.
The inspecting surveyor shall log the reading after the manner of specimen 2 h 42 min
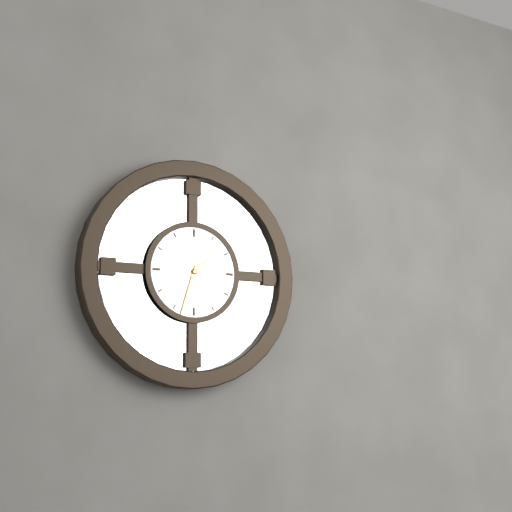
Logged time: 1 h 33 min
